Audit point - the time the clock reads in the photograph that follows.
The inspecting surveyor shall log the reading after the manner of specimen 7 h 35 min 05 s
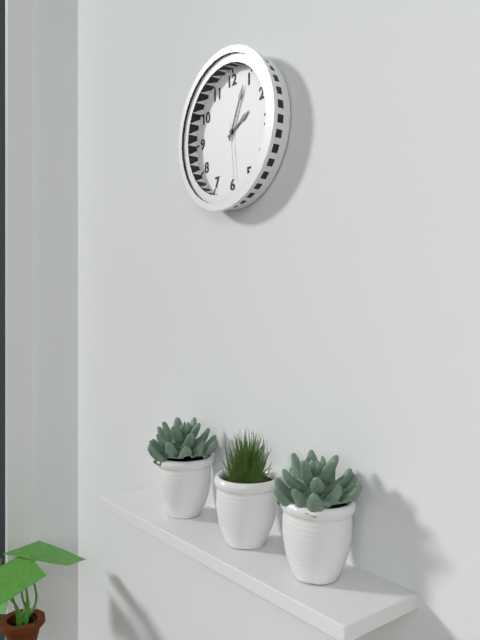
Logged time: 2 h 04 min 29 s
